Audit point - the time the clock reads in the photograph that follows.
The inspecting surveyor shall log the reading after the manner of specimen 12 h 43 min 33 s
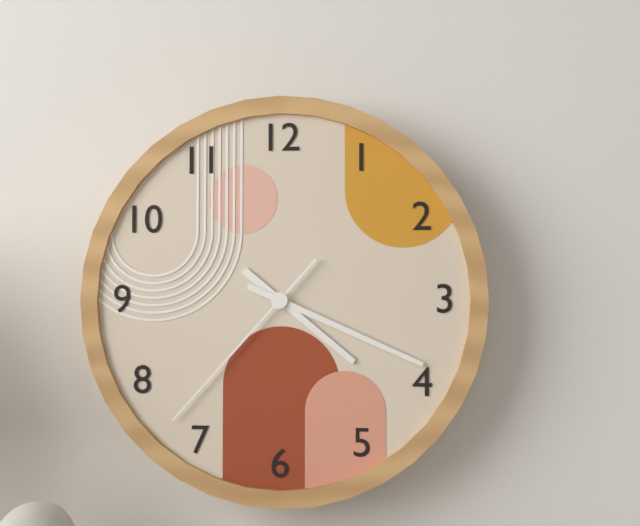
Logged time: 4 h 19 min 37 s
